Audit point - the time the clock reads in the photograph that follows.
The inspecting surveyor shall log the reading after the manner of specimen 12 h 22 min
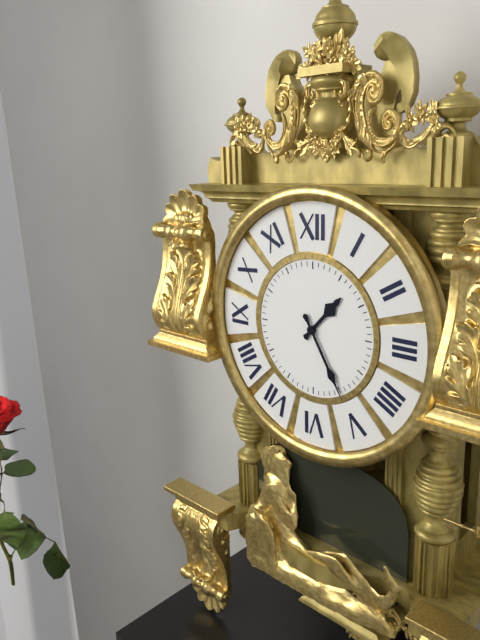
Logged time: 1 h 25 min
